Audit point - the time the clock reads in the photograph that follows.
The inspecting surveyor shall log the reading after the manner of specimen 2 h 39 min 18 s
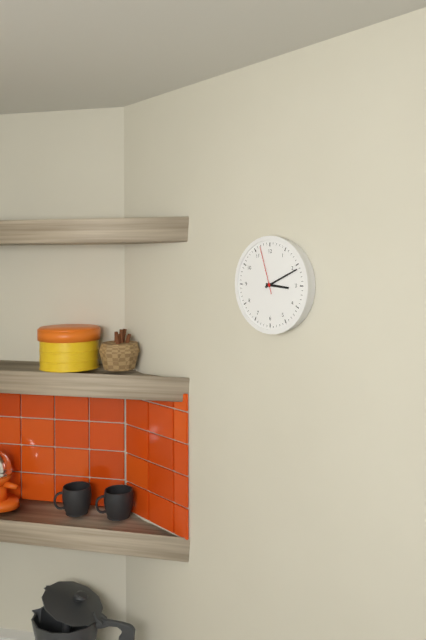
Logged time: 3 h 11 min 57 s
